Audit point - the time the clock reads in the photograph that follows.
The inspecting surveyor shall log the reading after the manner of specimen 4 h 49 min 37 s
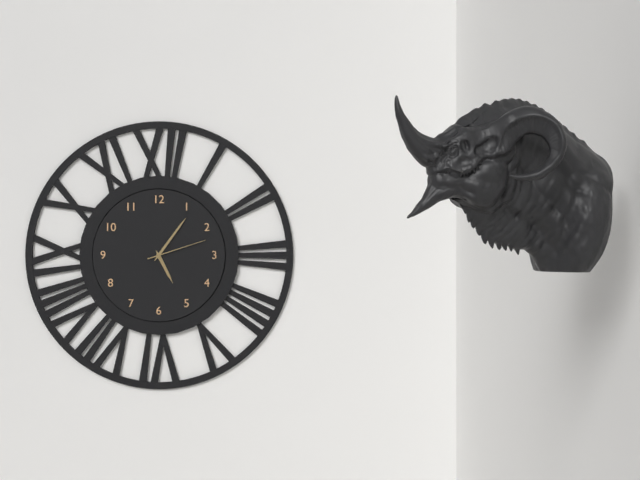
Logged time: 5 h 06 min 12 s
